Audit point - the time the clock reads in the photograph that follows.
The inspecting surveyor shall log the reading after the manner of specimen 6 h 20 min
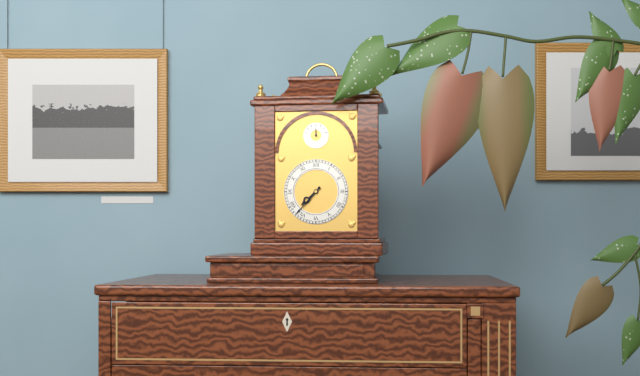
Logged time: 7 h 37 min
